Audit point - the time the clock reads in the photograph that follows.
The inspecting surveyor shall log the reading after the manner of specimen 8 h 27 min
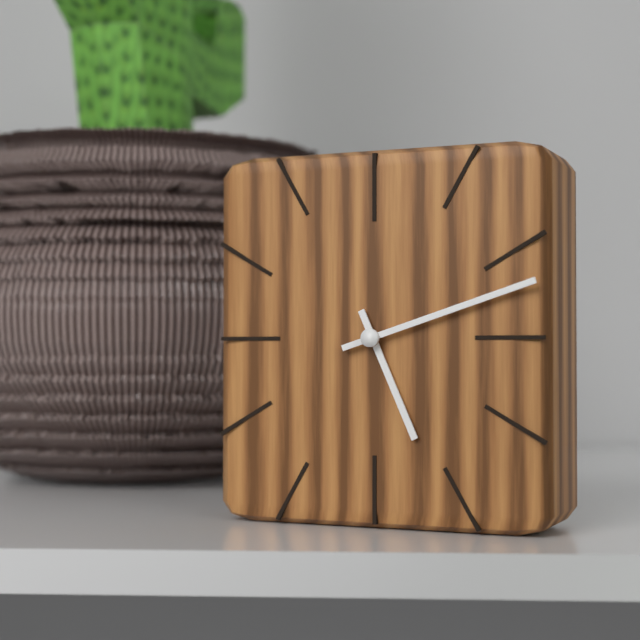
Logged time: 5 h 12 min
